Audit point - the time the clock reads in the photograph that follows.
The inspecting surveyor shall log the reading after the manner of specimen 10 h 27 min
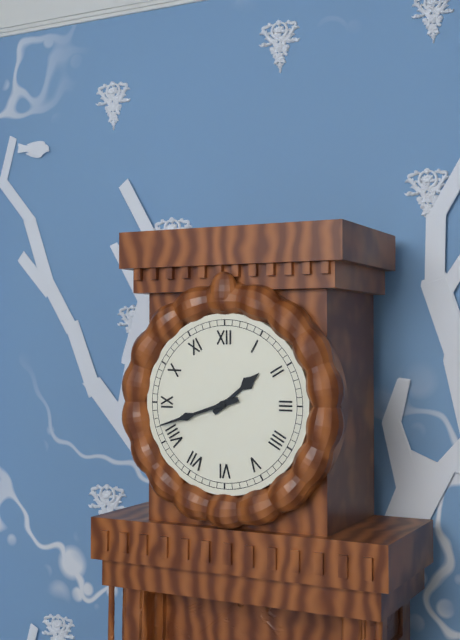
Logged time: 1 h 42 min
